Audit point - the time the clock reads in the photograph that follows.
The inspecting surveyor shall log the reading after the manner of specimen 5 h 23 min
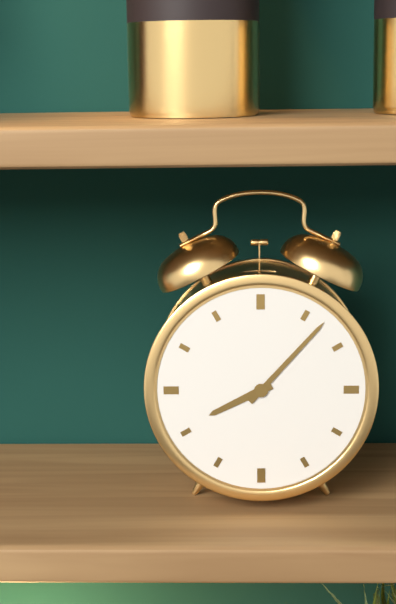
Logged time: 8 h 07 min
